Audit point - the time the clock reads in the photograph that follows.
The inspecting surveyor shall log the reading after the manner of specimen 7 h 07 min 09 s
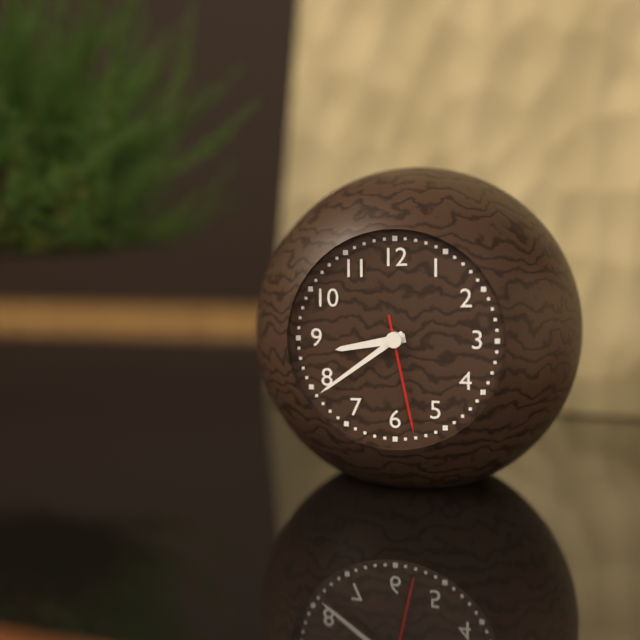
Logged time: 8 h 39 min 28 s
